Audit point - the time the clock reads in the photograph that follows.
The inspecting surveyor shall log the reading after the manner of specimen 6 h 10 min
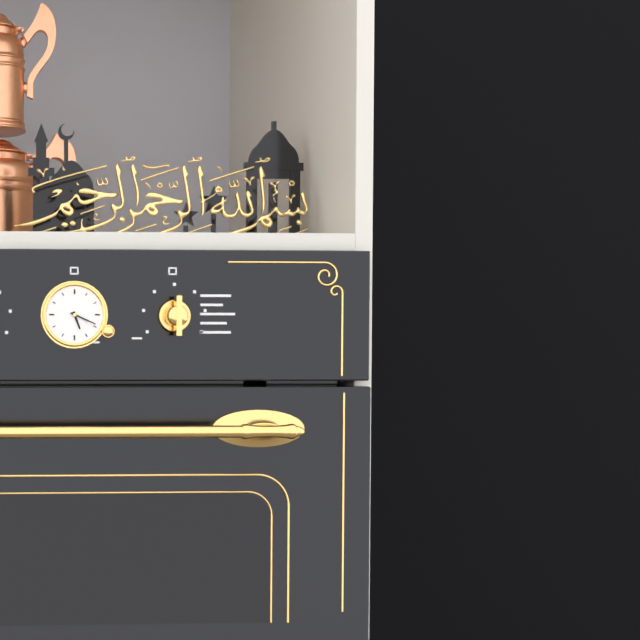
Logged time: 5 h 19 min
